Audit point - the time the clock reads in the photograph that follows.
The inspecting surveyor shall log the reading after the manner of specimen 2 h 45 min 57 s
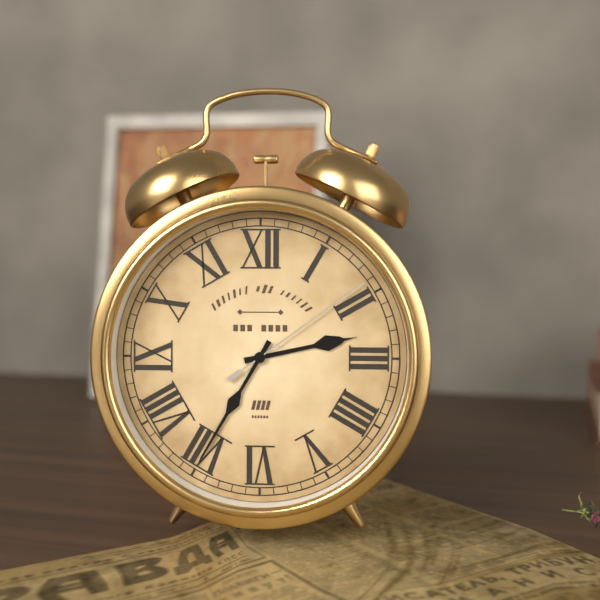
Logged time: 2 h 35 min 09 s
